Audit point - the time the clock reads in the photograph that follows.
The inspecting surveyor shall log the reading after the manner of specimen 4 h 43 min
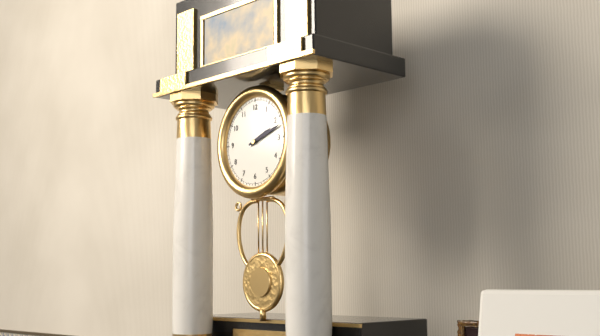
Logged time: 2 h 12 min
